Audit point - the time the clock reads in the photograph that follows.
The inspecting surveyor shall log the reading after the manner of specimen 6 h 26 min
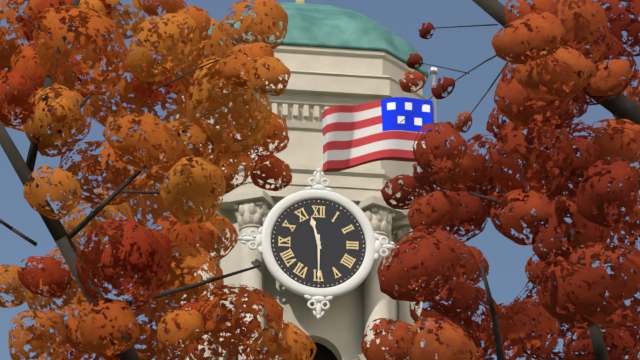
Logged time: 11 h 30 min
